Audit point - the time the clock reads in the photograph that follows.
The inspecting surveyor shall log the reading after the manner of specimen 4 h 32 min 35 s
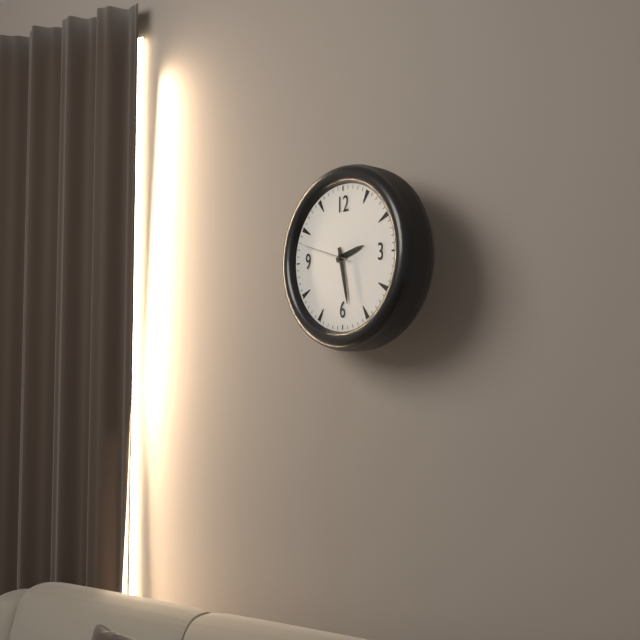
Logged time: 2 h 28 min 48 s
